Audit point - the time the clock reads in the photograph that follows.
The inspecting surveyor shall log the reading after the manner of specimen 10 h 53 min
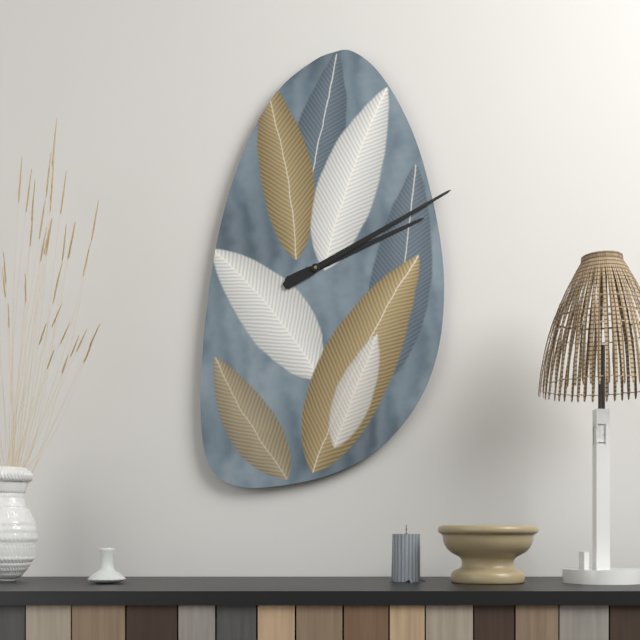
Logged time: 2 h 10 min
